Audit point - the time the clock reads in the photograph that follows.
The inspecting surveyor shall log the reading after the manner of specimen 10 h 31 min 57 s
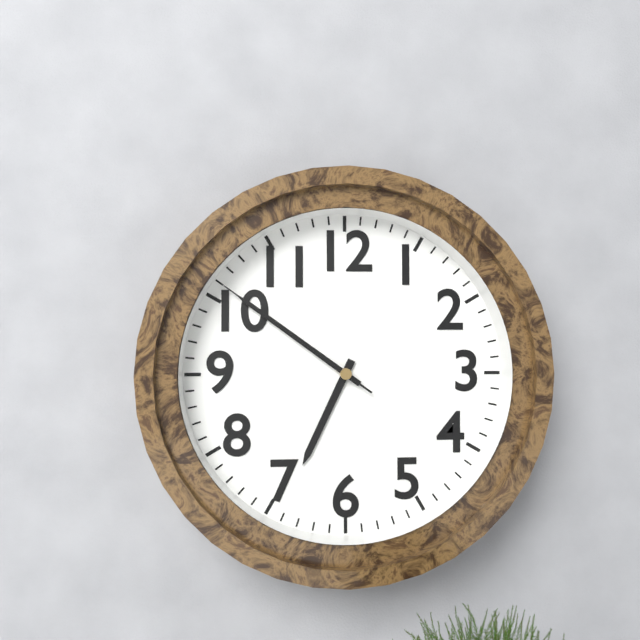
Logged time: 6 h 51 min 51 s
